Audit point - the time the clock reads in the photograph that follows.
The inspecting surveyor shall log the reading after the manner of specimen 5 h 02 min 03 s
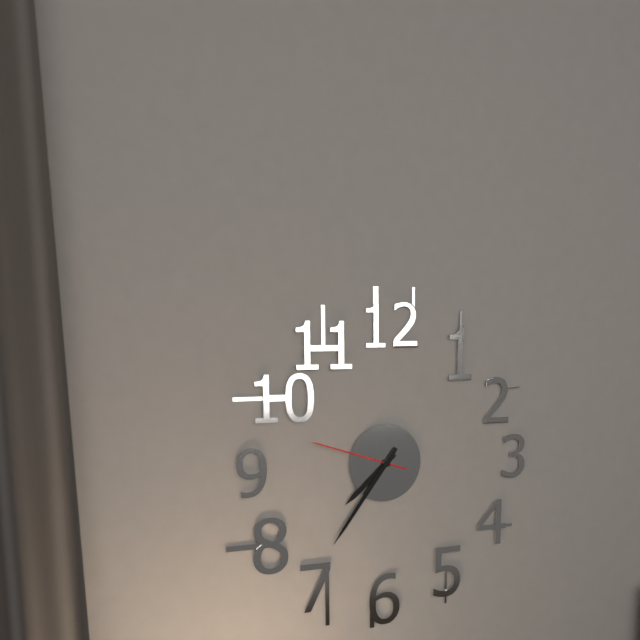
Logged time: 7 h 36 min 48 s
